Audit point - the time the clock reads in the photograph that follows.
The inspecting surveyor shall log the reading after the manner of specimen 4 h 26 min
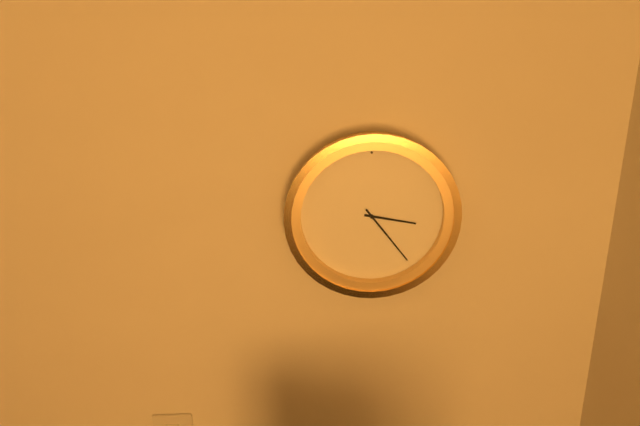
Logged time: 3 h 24 min
